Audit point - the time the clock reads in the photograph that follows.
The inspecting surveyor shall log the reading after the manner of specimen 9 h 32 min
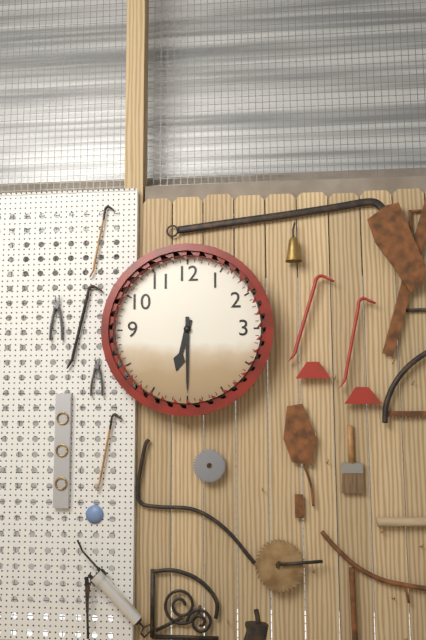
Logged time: 6 h 30 min
